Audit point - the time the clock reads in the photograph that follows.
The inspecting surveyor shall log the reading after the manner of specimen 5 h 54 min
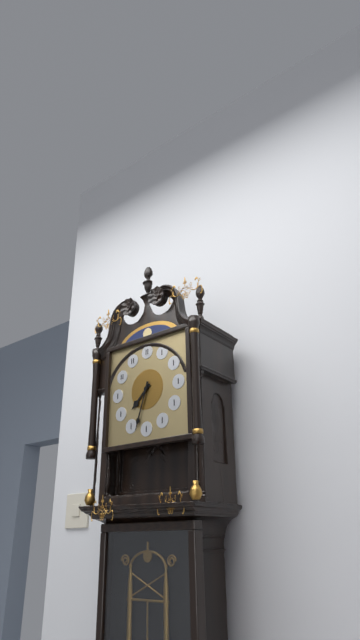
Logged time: 7 h 33 min
